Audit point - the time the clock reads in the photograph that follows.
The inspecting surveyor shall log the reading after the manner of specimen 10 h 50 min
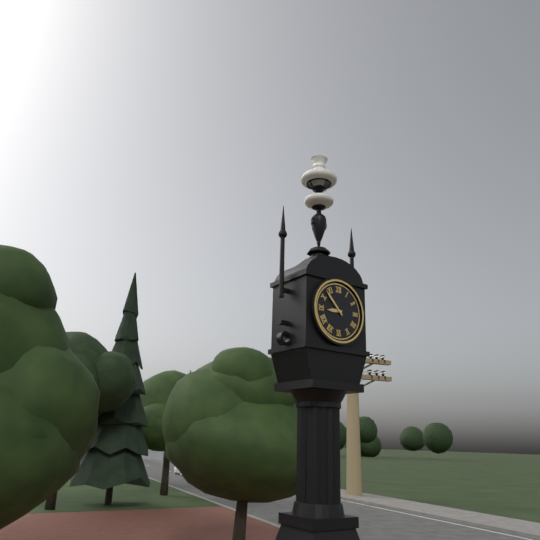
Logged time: 8 h 53 min
